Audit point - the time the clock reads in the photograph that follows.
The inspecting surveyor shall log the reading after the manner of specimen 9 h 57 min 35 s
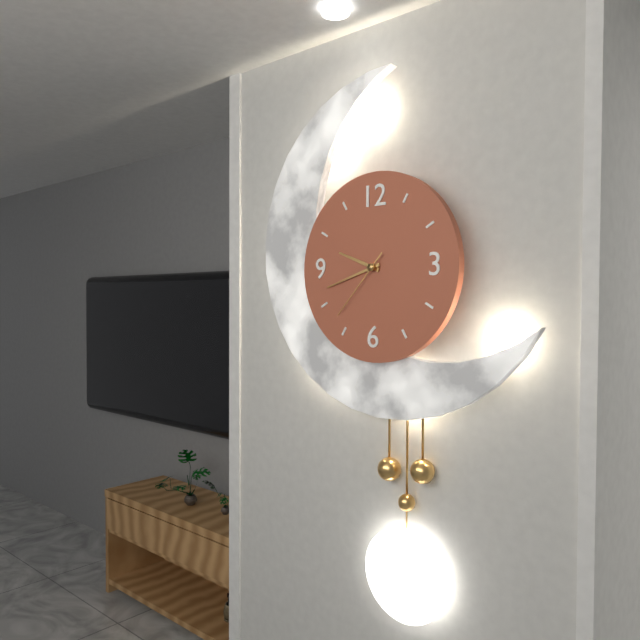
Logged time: 9 h 42 min 37 s
